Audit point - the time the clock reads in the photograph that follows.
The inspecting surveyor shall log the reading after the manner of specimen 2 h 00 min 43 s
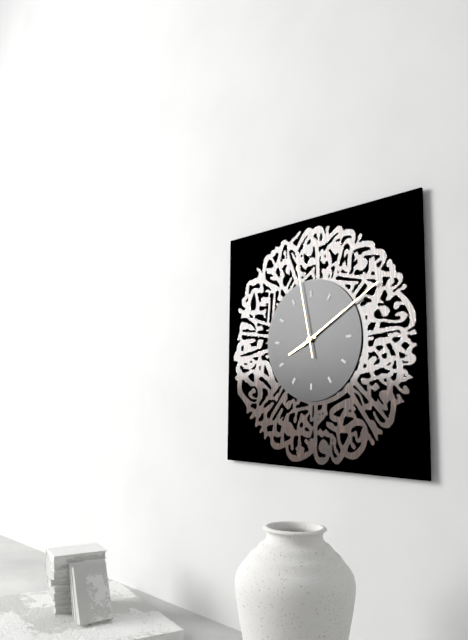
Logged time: 8 h 10 min 58 s
